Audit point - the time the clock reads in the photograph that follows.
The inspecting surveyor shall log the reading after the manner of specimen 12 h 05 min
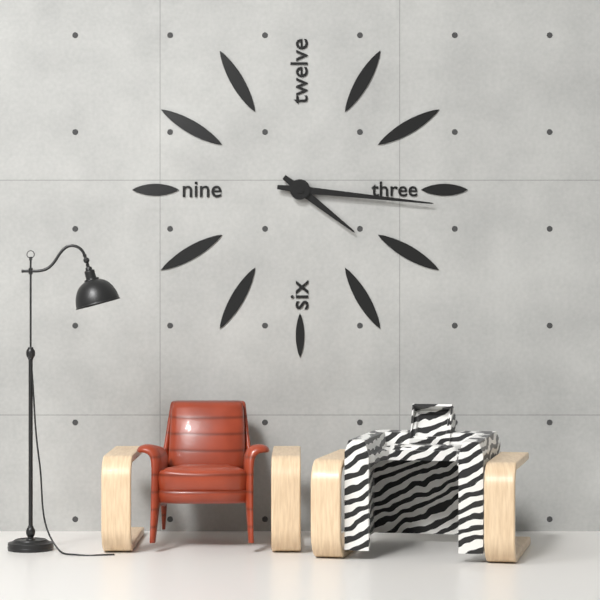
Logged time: 4 h 16 min
